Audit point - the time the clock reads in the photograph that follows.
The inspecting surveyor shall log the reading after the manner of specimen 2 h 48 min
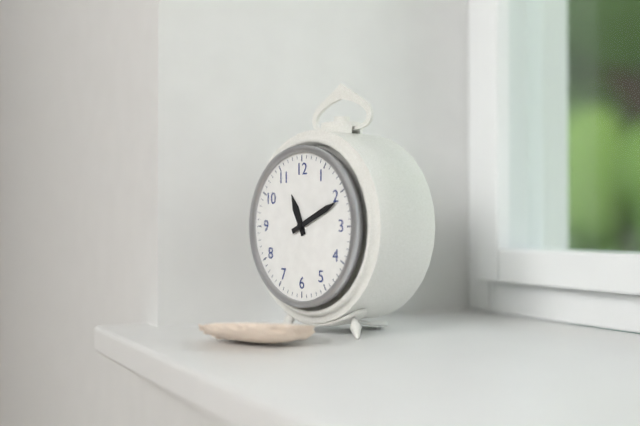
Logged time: 11 h 11 min
